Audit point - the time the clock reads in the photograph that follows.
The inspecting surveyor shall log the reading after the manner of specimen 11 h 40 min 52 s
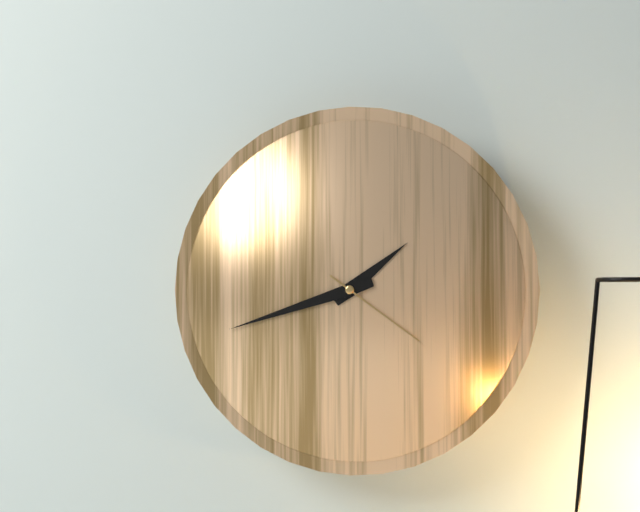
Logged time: 1 h 42 min 21 s
